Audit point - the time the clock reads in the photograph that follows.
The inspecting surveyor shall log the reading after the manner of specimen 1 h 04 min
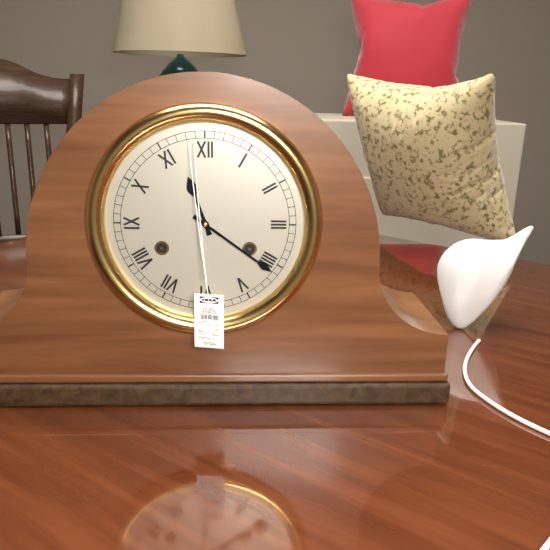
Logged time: 11 h 21 min
